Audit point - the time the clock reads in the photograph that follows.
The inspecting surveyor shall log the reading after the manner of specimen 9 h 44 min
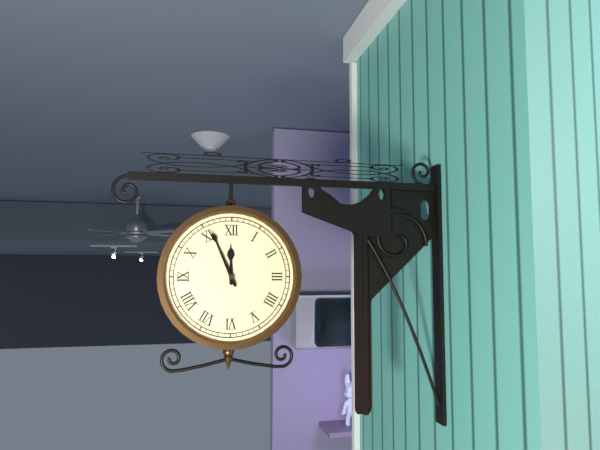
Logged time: 11 h 56 min
